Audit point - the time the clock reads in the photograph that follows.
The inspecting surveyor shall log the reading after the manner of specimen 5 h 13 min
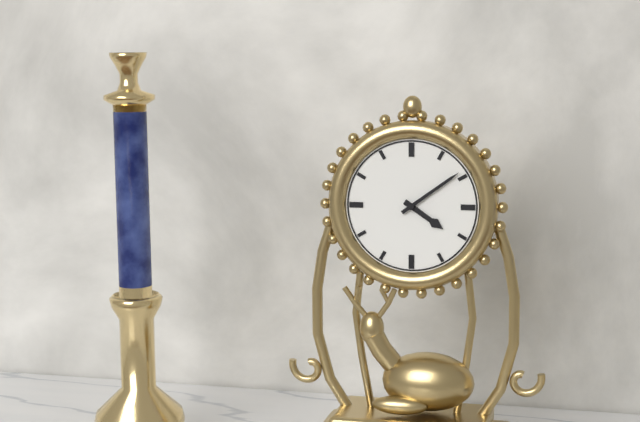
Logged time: 4 h 09 min
